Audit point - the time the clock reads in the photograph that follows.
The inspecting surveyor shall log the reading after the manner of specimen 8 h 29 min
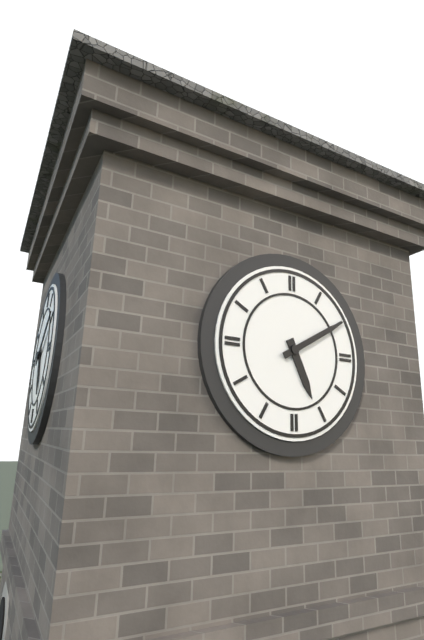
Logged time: 5 h 10 min
